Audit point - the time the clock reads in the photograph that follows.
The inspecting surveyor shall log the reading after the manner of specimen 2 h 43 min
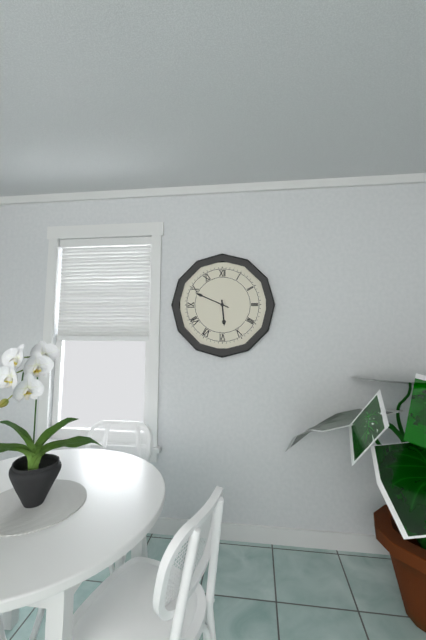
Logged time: 5 h 49 min
